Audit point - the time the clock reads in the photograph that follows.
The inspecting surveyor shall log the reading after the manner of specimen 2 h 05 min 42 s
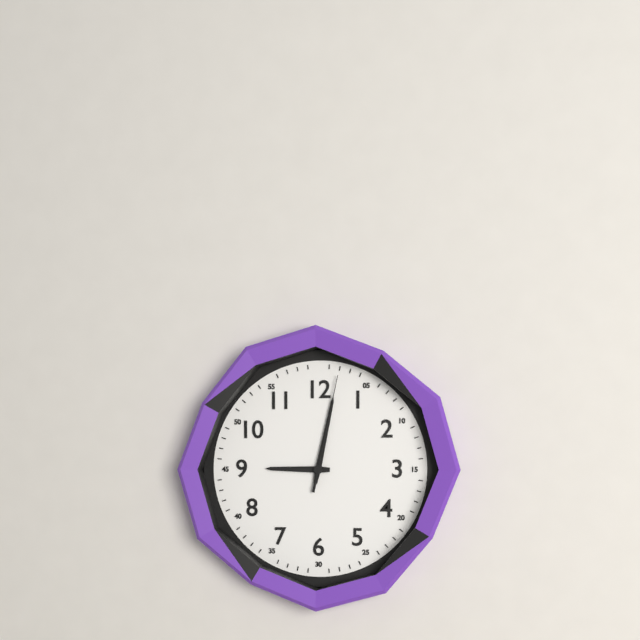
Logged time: 9 h 02 min 02 s
